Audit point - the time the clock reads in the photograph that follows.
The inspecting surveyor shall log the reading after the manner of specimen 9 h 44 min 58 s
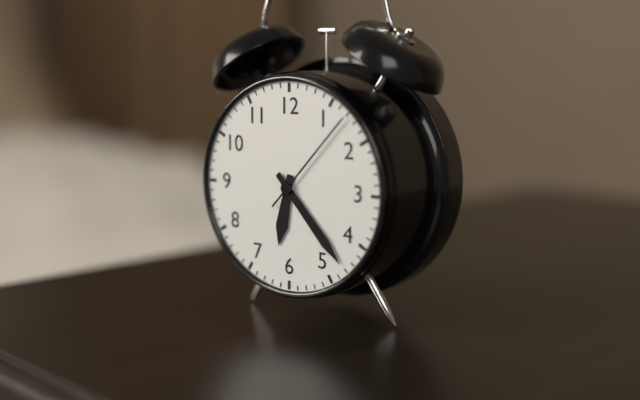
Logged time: 6 h 23 min 07 s
